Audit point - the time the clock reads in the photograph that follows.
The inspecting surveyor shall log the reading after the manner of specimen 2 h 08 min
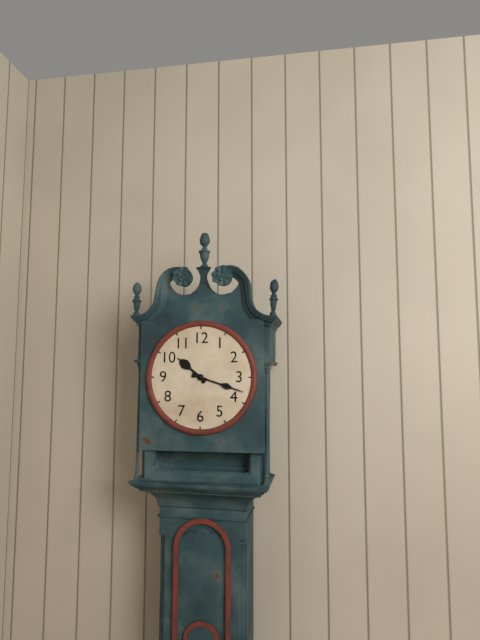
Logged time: 10 h 18 min
